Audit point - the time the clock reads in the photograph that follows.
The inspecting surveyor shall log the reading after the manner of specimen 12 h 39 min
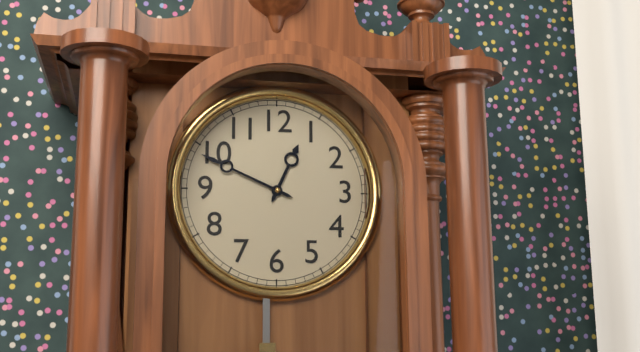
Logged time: 12 h 49 min
